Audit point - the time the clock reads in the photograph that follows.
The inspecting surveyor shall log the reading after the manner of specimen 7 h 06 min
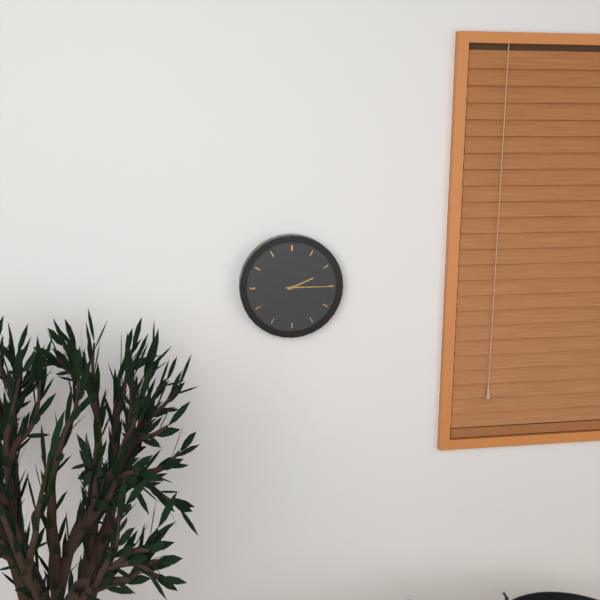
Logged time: 2 h 15 min
